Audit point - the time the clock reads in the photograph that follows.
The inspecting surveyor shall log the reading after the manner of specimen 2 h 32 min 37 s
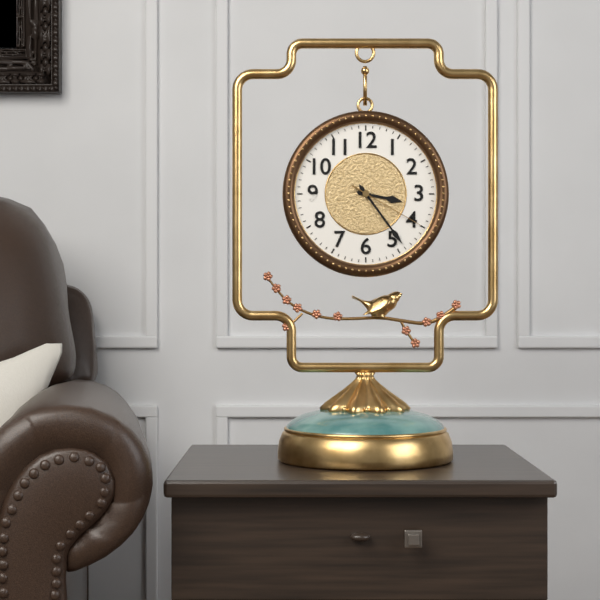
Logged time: 3 h 24 min 20 s
